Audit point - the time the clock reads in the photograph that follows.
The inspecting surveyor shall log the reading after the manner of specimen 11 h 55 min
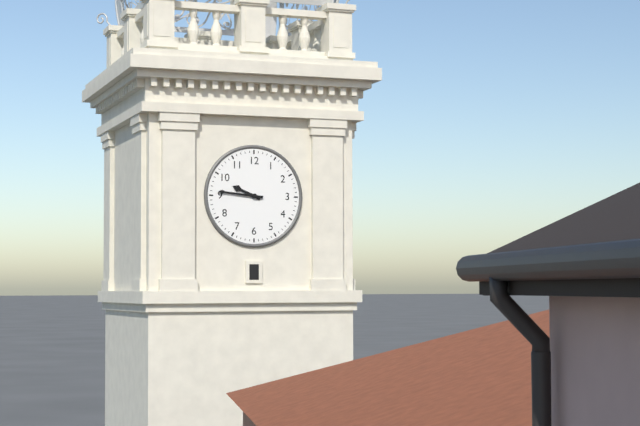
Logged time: 9 h 46 min
